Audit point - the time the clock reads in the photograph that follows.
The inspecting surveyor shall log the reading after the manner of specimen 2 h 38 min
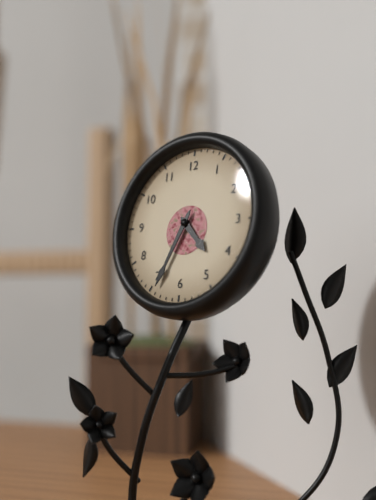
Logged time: 4 h 34 min
